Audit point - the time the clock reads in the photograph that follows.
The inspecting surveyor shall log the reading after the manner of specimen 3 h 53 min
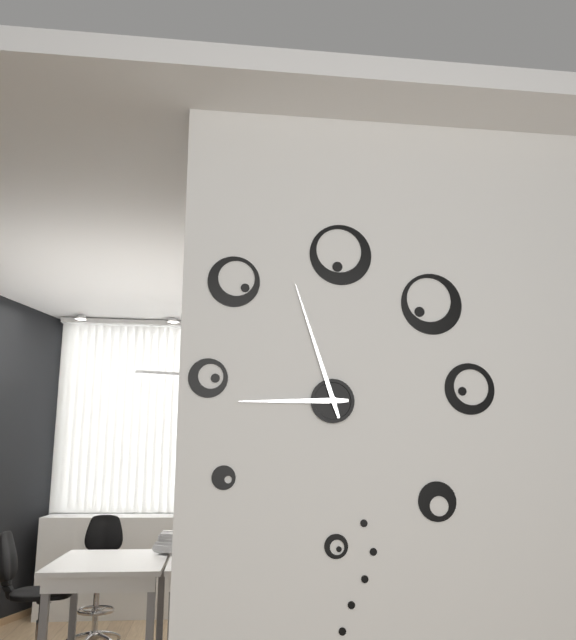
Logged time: 8 h 57 min
